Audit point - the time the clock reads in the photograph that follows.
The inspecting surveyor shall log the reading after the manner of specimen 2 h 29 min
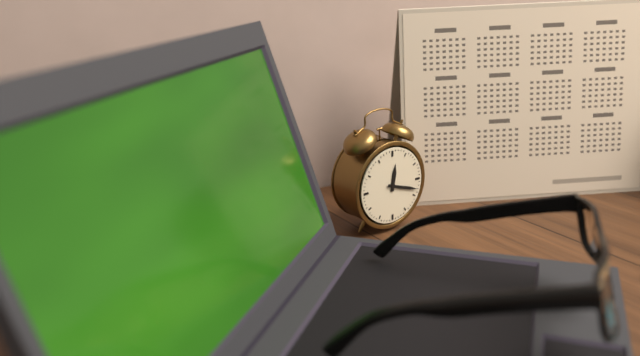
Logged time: 12 h 18 min
